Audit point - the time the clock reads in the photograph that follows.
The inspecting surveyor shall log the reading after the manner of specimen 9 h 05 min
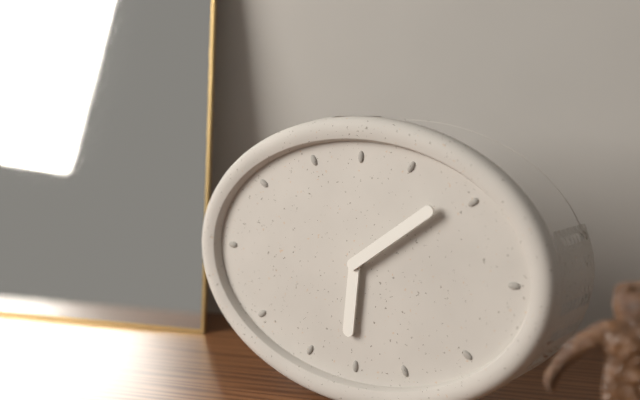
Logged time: 6 h 09 min
